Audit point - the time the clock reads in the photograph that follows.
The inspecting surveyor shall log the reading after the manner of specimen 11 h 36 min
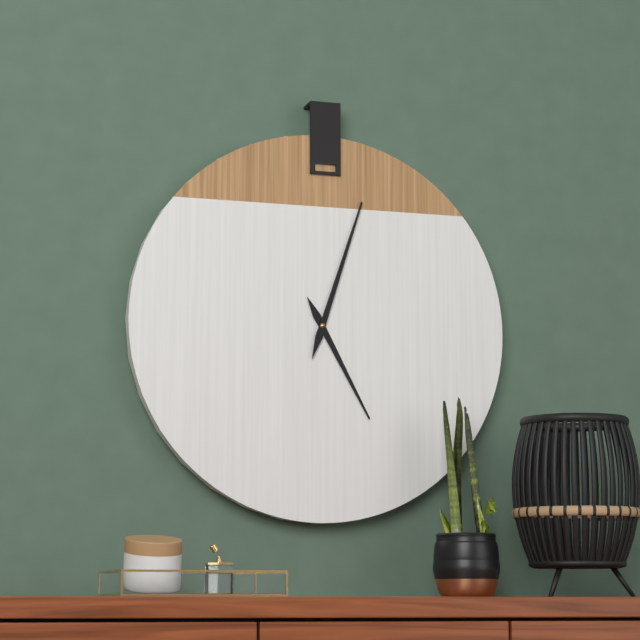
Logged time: 5 h 03 min
